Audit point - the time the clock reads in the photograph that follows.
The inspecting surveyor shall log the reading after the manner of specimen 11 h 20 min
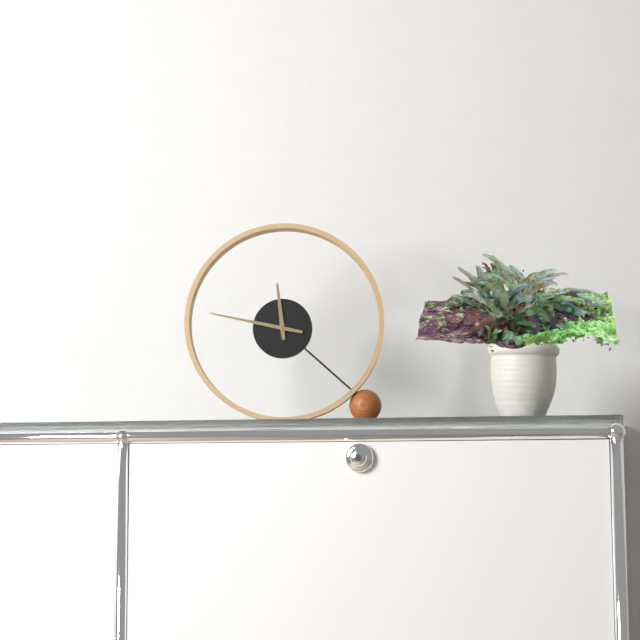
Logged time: 11 h 47 min
